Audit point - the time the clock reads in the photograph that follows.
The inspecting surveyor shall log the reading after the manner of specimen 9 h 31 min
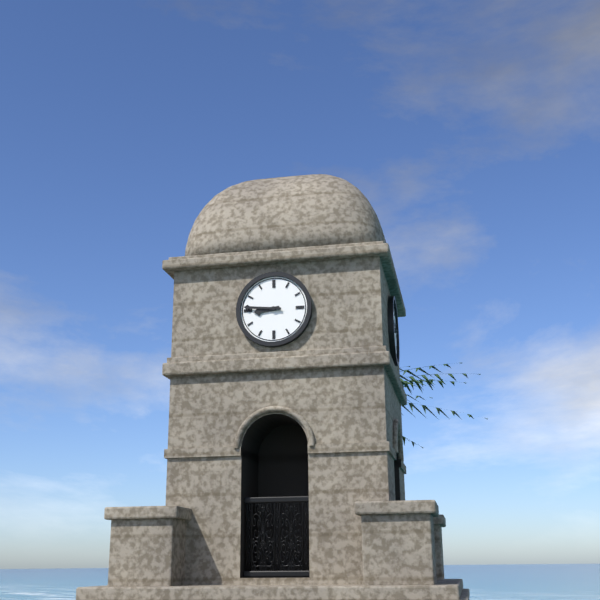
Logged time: 8 h 46 min
